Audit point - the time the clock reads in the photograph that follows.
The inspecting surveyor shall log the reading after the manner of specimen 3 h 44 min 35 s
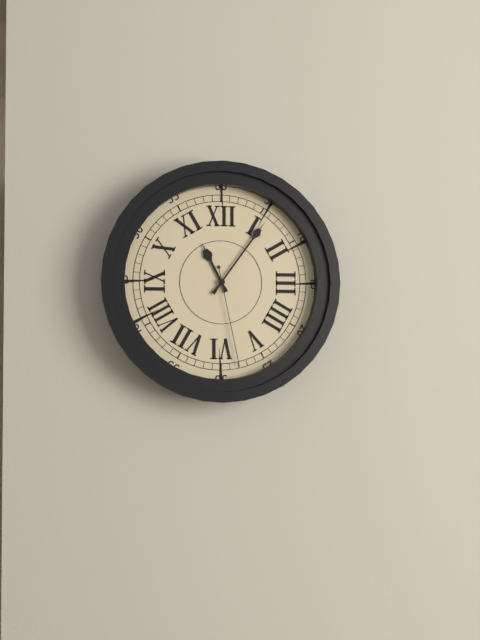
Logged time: 11 h 06 min 28 s
